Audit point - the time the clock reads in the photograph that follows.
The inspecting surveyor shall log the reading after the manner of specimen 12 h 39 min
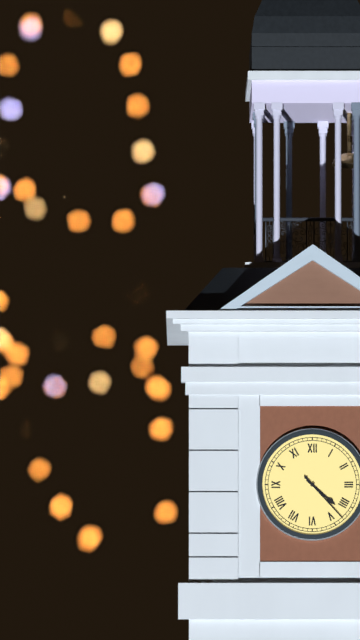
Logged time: 4 h 23 min
